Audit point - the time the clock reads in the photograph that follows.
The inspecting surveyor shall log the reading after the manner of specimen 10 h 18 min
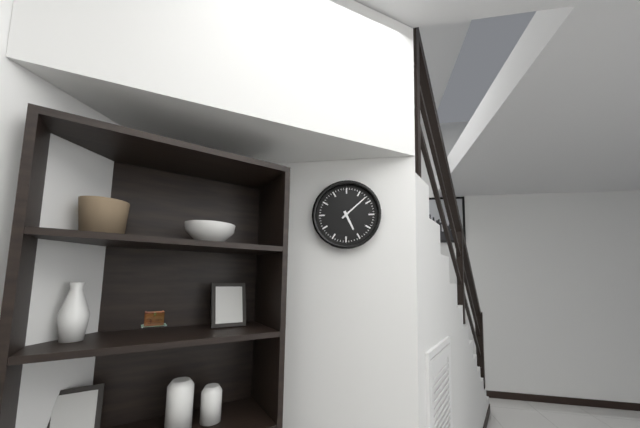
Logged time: 5 h 08 min
